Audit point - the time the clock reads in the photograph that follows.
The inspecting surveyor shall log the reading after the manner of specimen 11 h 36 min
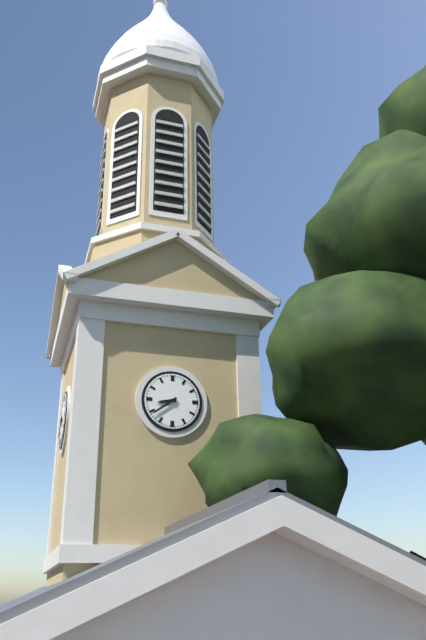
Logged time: 8 h 39 min
